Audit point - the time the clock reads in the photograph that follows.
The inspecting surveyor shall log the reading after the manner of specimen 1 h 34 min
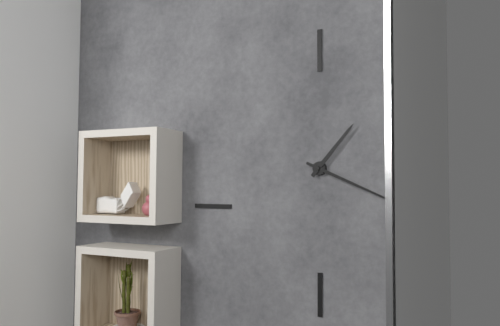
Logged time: 1 h 19 min
